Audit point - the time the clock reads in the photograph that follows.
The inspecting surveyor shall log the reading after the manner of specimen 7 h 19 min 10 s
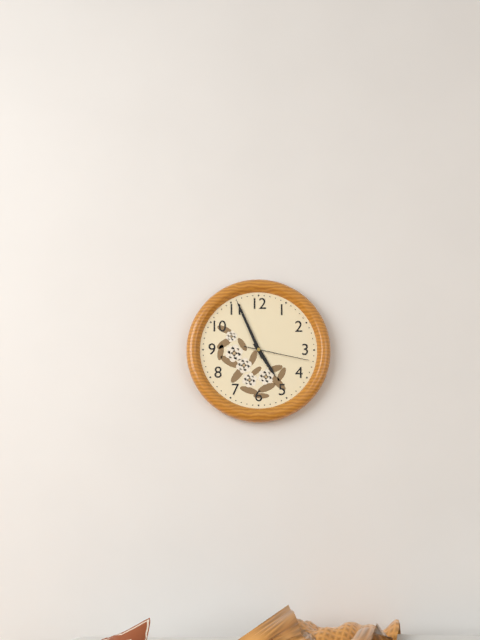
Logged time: 4 h 56 min 17 s
